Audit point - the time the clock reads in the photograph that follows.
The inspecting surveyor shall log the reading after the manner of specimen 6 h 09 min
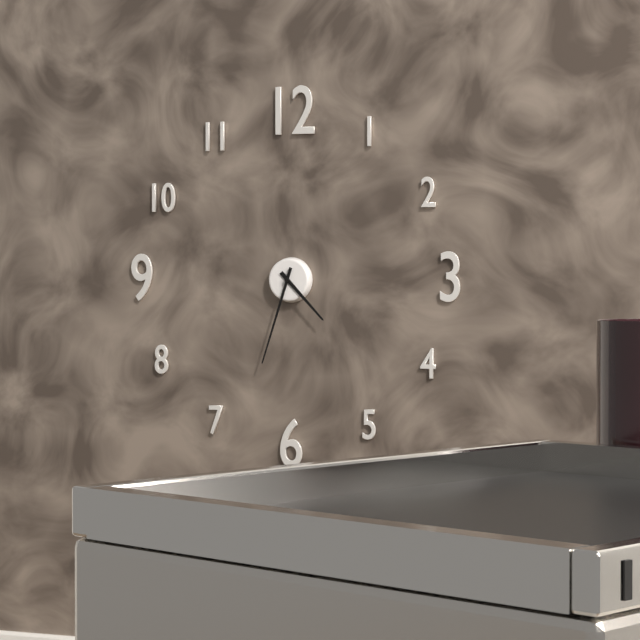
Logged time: 4 h 33 min
